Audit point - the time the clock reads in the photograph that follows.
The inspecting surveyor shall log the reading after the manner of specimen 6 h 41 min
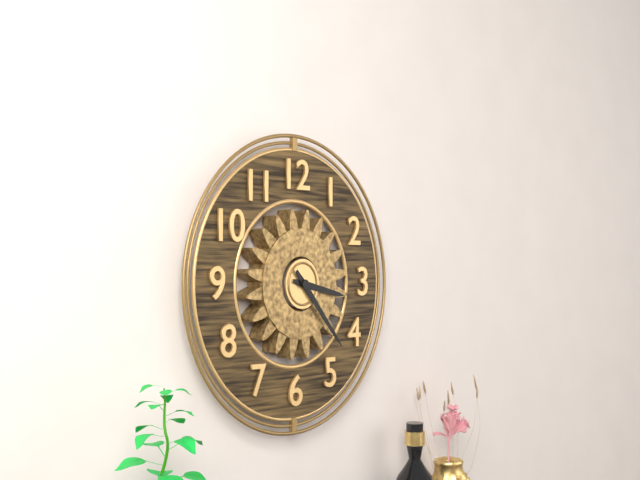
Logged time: 3 h 23 min
